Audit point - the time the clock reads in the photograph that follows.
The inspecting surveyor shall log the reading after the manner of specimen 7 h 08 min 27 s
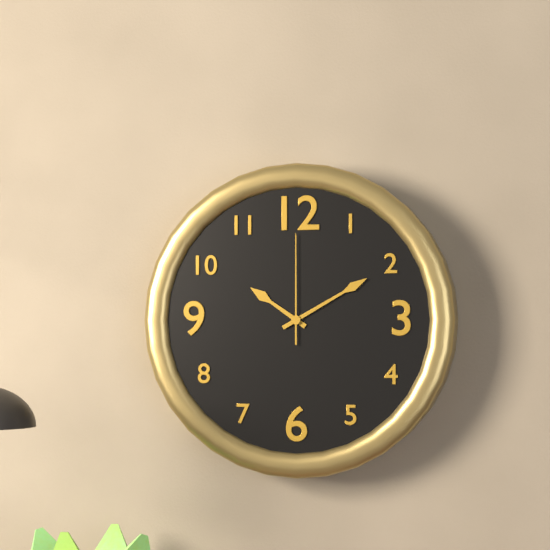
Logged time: 10 h 10 min 00 s
